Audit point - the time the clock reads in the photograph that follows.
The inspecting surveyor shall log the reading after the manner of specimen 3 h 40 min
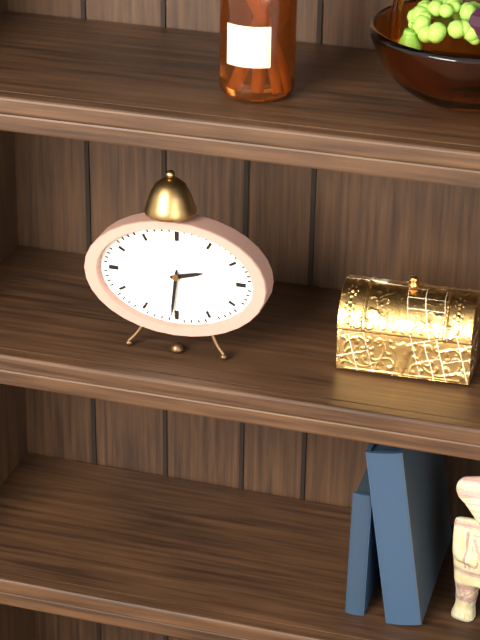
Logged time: 2 h 31 min
